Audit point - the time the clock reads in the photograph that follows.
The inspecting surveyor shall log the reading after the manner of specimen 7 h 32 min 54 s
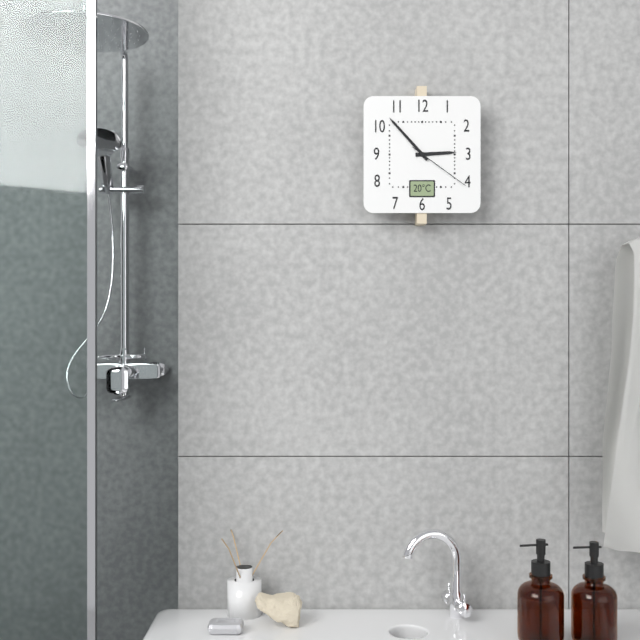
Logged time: 2 h 53 min 21 s
